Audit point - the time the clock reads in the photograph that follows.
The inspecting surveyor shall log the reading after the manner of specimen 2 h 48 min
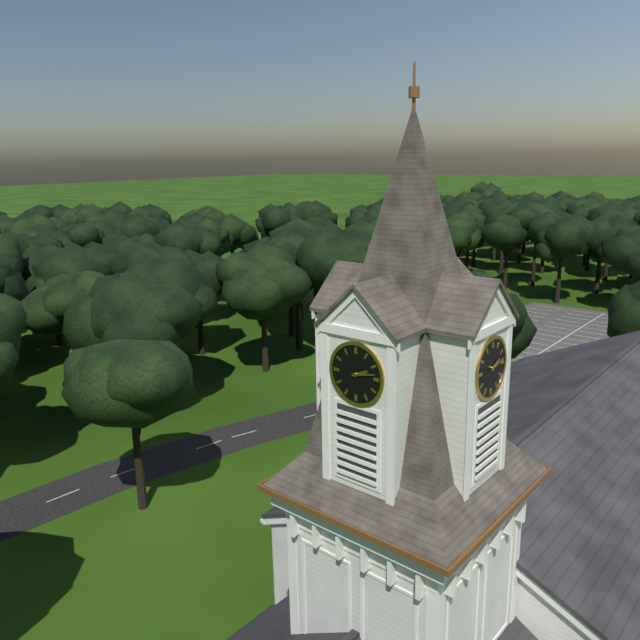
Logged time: 2 h 13 min
